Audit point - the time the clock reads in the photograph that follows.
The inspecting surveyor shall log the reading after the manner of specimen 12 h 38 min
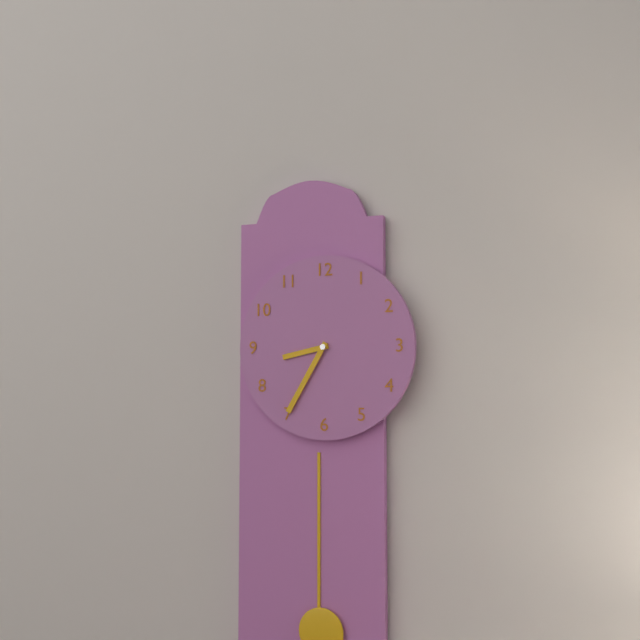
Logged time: 8 h 35 min
